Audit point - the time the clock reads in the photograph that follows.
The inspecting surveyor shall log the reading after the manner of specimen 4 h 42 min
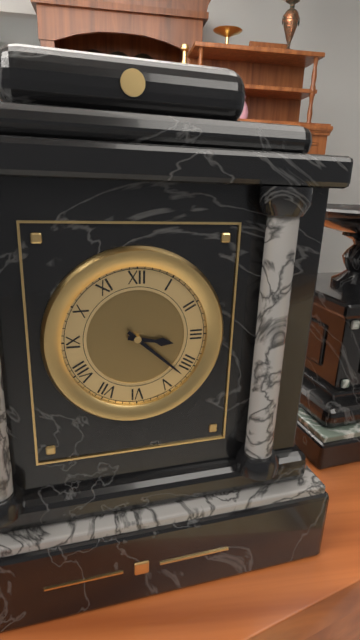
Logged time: 3 h 22 min
